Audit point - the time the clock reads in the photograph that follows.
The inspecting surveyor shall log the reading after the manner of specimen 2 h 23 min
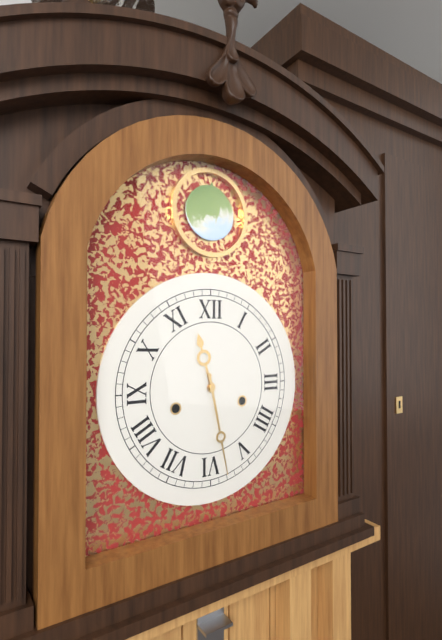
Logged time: 11 h 28 min
